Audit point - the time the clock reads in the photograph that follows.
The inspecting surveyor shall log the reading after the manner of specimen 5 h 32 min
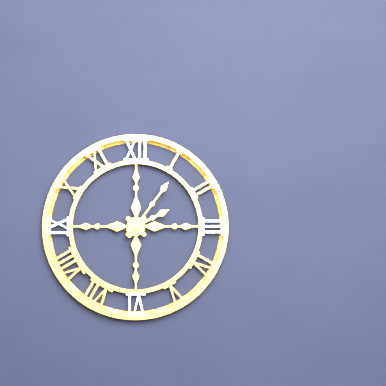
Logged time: 2 h 06 min
